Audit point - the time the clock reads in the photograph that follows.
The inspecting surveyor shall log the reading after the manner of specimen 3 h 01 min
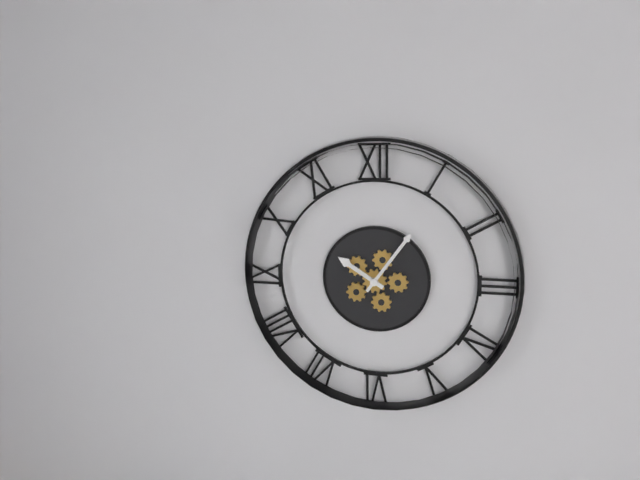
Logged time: 10 h 06 min
